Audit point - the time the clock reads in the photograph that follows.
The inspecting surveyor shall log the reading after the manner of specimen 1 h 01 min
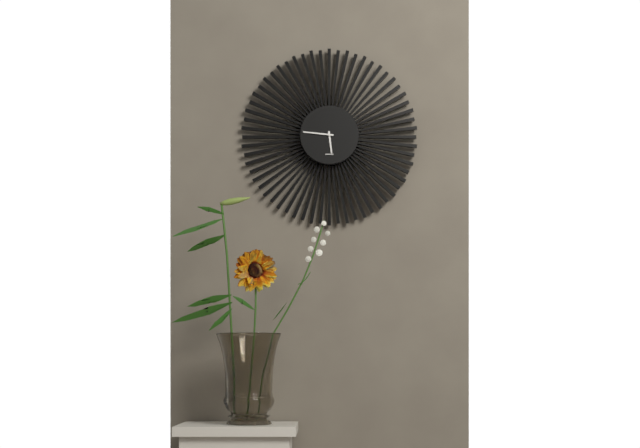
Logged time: 5 h 46 min
